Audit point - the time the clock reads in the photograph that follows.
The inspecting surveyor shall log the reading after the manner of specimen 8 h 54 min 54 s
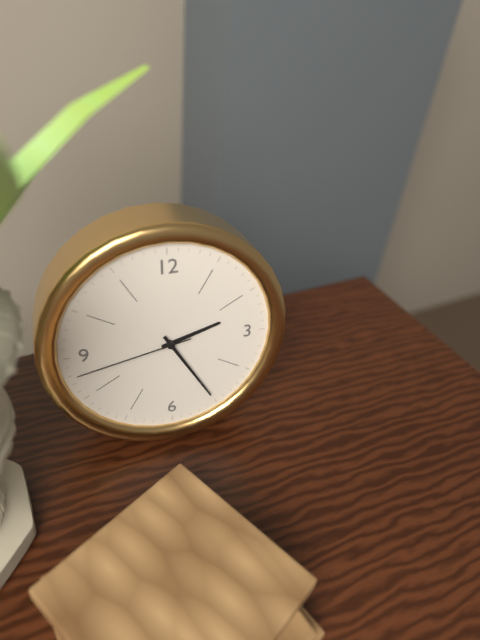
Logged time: 2 h 25 min 43 s
